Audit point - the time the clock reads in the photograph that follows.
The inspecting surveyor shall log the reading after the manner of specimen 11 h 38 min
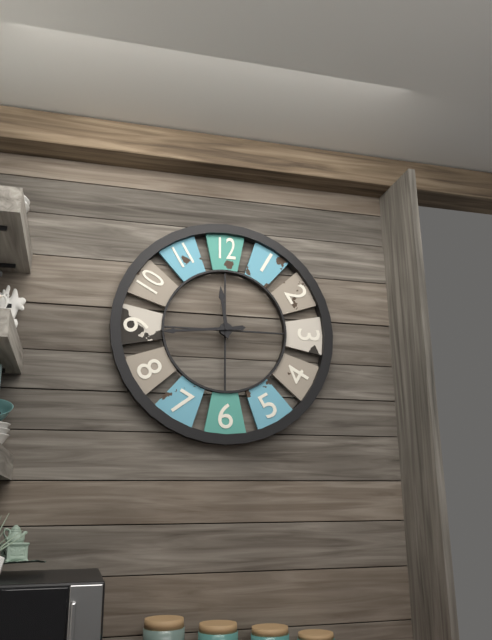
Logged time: 11 h 44 min
